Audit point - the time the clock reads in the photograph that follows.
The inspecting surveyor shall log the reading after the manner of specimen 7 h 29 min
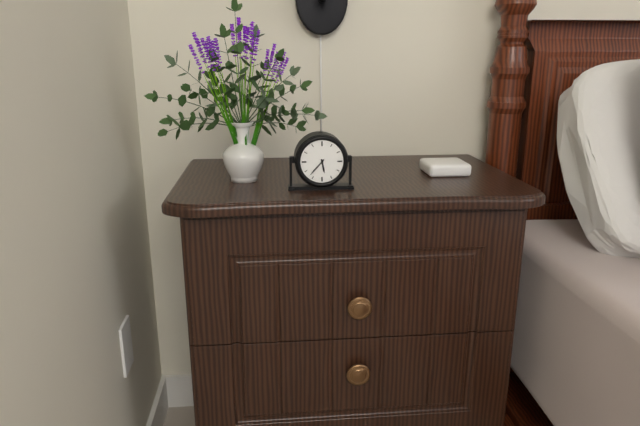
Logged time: 5 h 37 min
